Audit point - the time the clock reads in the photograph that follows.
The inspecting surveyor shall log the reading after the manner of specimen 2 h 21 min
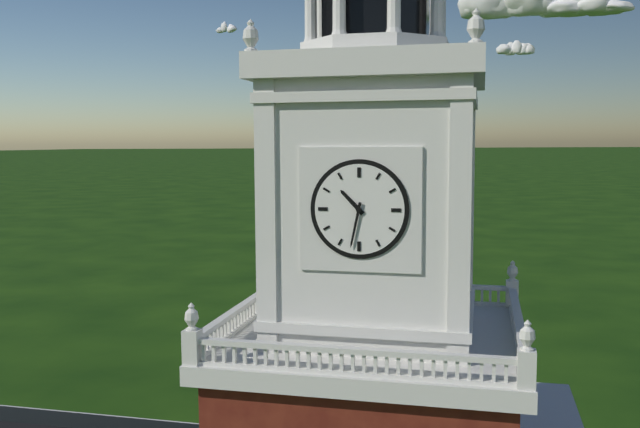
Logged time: 10 h 32 min
